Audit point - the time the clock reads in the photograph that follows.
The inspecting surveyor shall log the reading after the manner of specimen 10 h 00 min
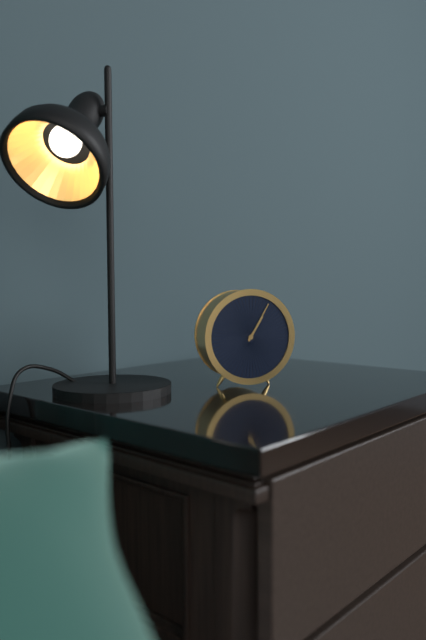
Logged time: 1 h 05 min
